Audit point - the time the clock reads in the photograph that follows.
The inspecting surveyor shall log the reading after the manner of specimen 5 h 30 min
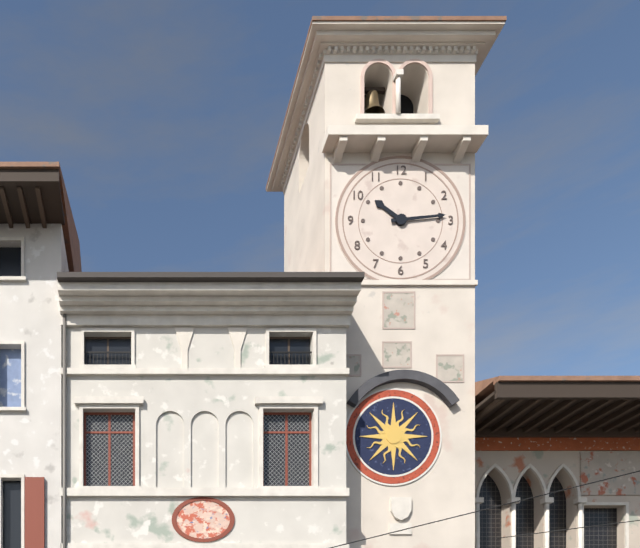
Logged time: 10 h 14 min
